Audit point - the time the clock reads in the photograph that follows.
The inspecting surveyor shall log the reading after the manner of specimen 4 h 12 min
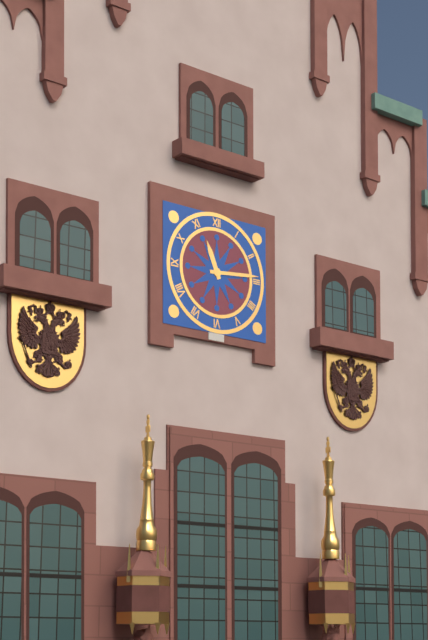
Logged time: 11 h 14 min
